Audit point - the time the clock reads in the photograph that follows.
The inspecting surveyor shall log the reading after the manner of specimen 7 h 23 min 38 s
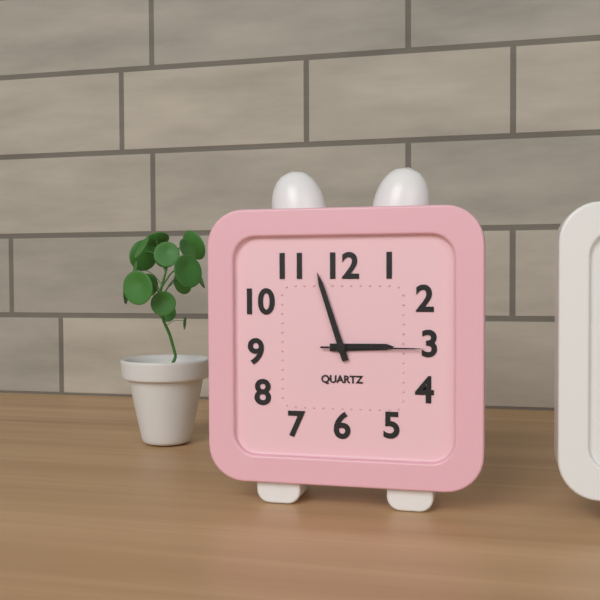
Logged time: 2 h 57 min 15 s
